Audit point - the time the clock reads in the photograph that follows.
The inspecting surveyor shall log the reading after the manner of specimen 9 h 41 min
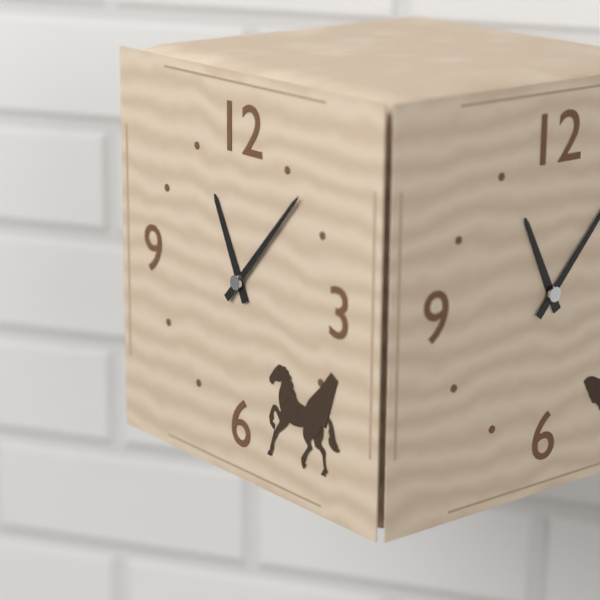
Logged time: 11 h 07 min
